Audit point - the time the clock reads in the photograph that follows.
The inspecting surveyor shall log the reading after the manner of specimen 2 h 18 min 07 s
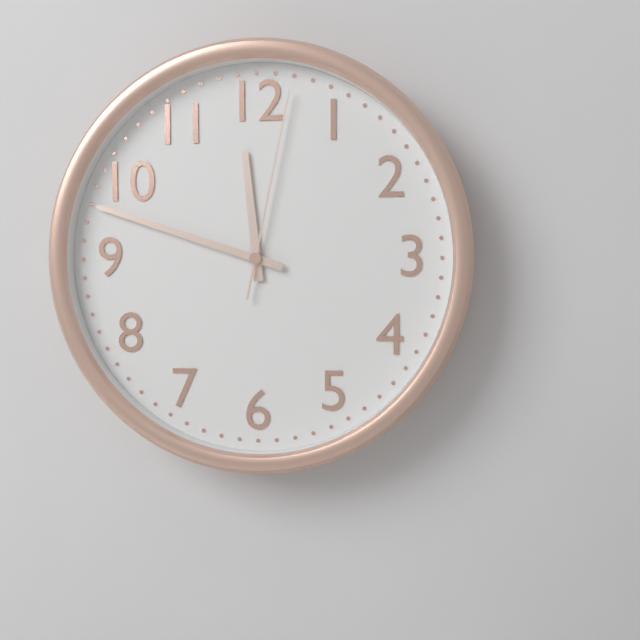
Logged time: 11 h 48 min 02 s
